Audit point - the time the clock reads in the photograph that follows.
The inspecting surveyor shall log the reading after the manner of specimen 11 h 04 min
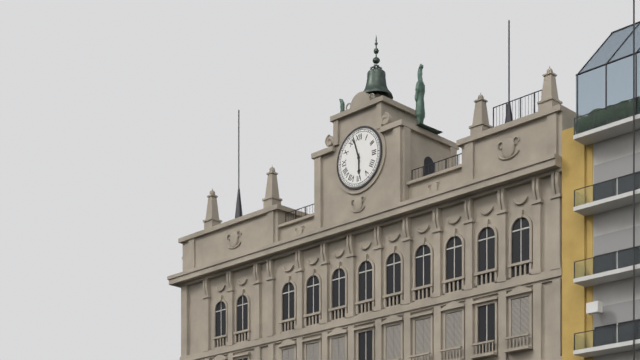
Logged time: 5 h 57 min
